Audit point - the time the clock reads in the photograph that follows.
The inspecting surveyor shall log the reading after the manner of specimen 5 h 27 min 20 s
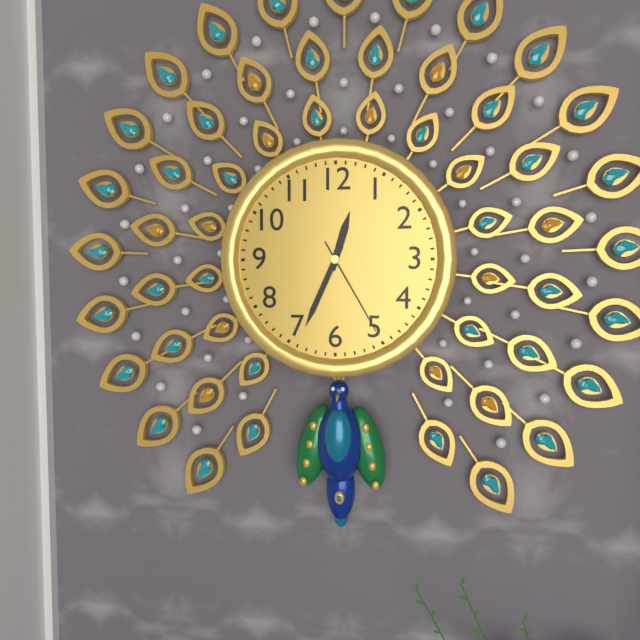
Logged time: 12 h 34 min 25 s
